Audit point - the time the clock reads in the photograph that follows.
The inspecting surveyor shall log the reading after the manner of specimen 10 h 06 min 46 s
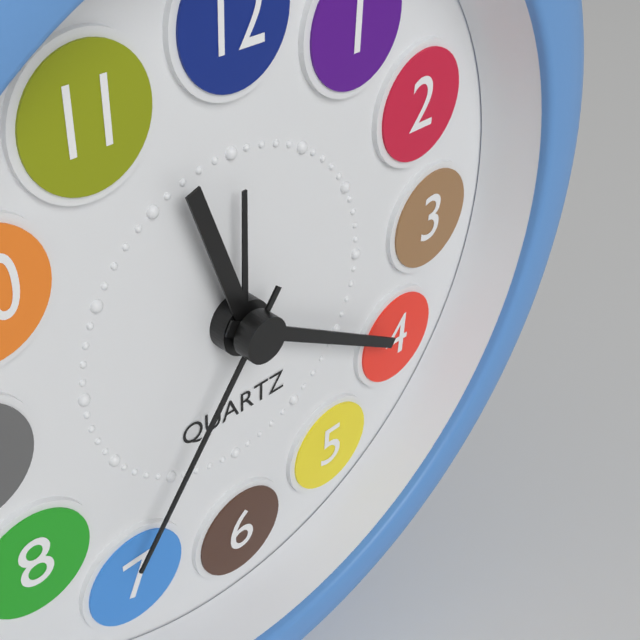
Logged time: 11 h 20 min 36 s
